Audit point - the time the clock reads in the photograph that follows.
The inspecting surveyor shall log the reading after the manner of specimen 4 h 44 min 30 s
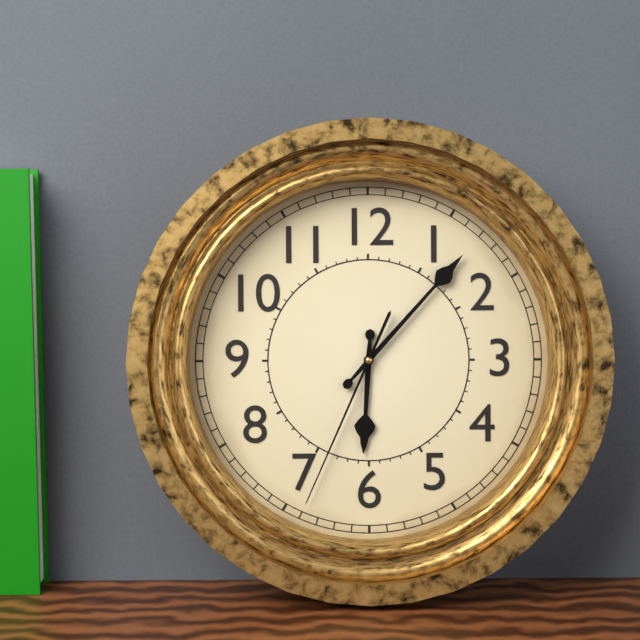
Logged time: 6 h 07 min 34 s
